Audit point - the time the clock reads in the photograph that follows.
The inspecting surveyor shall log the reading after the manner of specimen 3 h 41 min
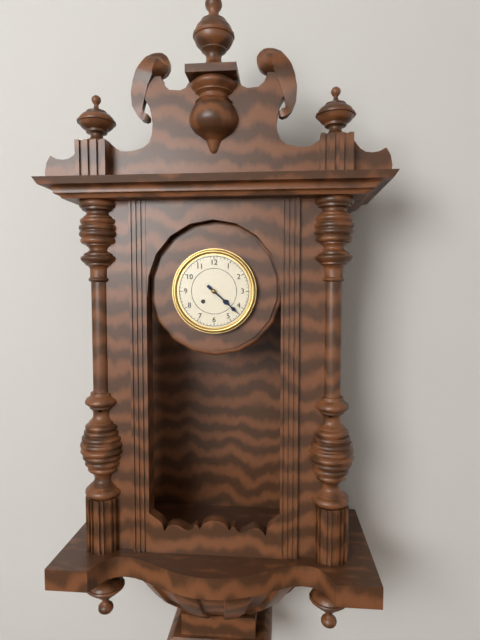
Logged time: 4 h 22 min
